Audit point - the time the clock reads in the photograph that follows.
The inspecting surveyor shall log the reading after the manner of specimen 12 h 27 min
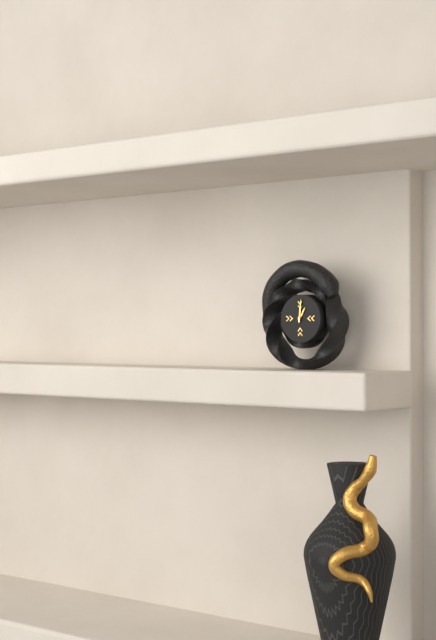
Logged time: 1 h 01 min
